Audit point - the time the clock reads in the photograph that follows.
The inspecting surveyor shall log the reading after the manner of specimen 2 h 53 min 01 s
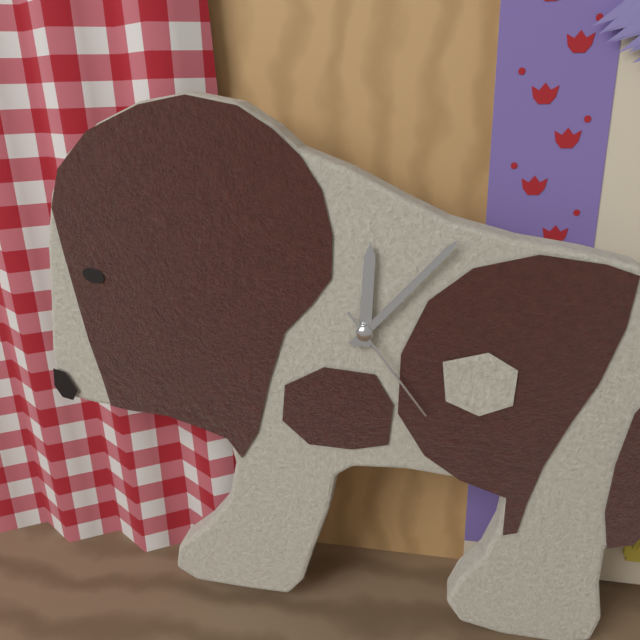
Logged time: 12 h 07 min 24 s
